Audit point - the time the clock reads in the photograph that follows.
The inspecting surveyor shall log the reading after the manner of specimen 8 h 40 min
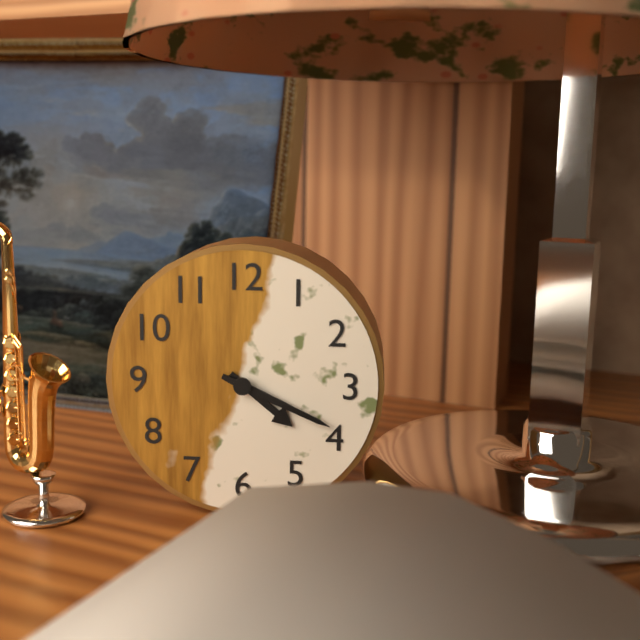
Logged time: 4 h 19 min
